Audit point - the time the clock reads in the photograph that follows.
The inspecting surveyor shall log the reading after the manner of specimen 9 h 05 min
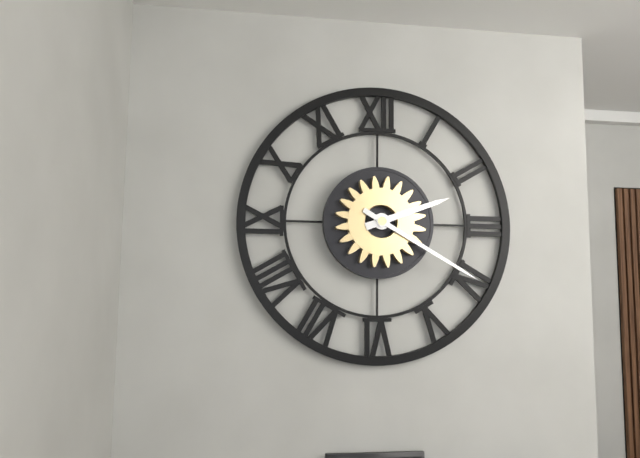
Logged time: 2 h 20 min
